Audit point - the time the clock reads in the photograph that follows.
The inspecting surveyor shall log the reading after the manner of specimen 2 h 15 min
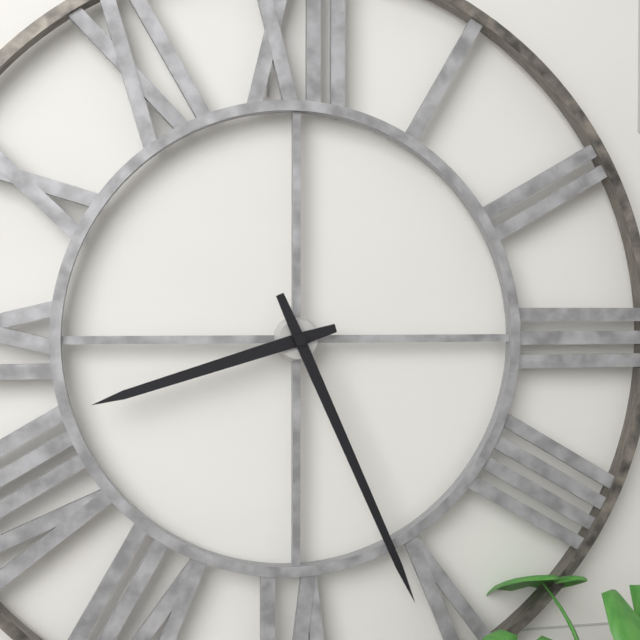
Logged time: 8 h 26 min
